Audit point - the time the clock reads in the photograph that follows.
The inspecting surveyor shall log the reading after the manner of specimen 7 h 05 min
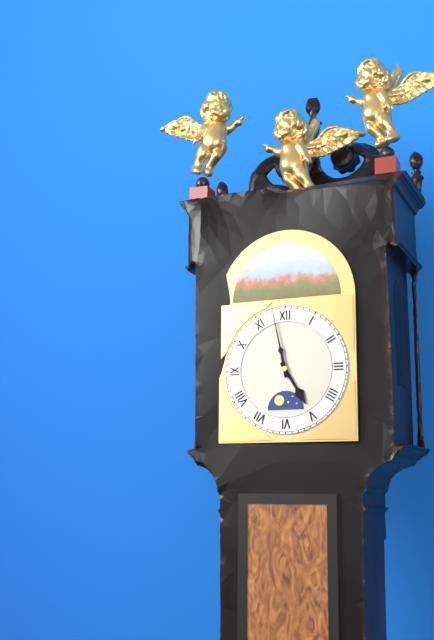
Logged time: 4 h 58 min
